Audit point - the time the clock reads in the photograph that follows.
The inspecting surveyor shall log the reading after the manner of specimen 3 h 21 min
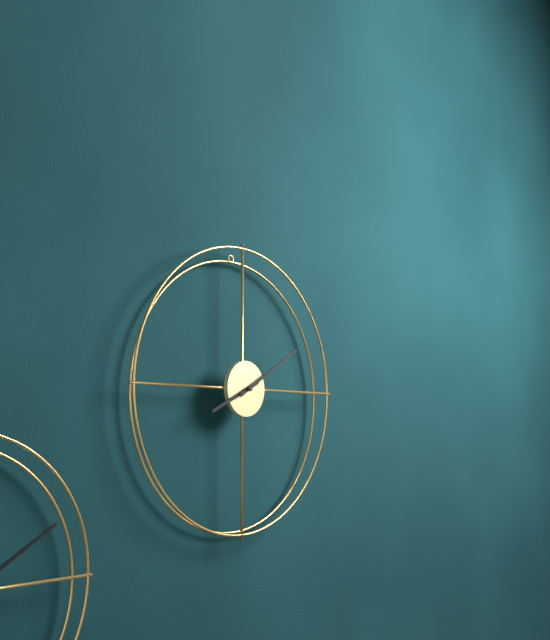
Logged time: 8 h 10 min
